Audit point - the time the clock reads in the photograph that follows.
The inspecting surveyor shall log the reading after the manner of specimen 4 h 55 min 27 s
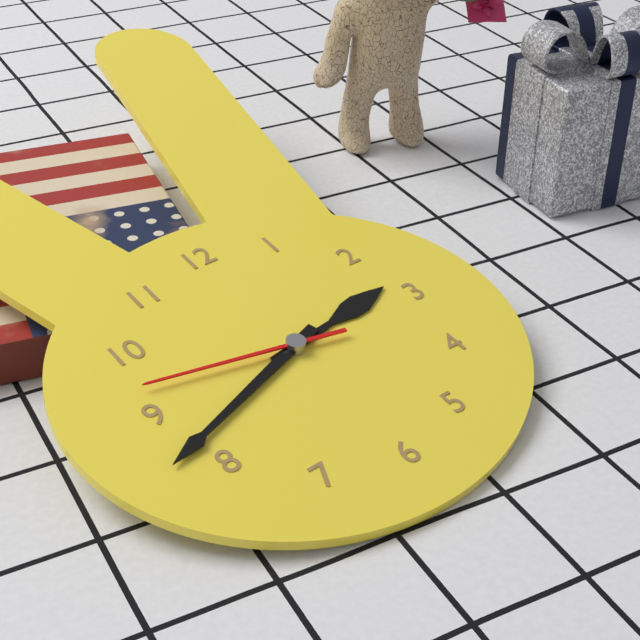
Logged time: 2 h 42 min 47 s
